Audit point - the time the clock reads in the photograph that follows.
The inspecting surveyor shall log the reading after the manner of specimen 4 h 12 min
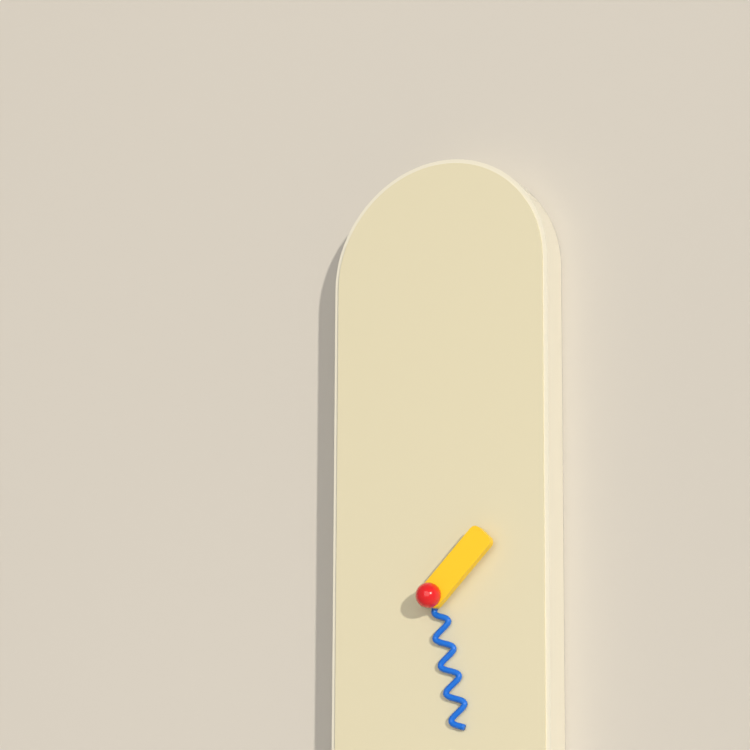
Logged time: 1 h 28 min
